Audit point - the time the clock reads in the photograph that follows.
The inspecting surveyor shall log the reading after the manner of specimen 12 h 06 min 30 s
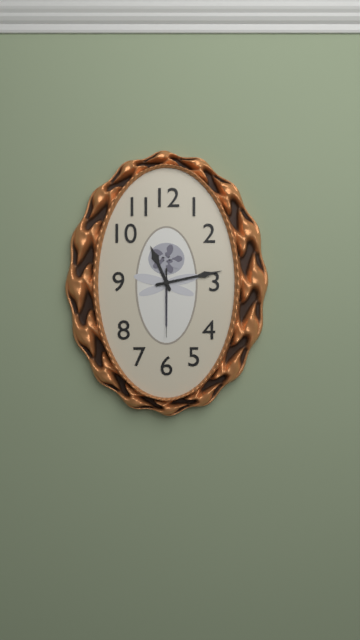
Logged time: 11 h 13 min 30 s
